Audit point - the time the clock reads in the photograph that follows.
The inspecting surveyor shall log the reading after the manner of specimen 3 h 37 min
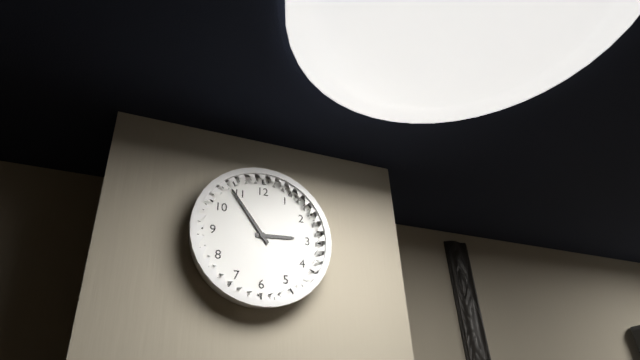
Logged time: 2 h 54 min
